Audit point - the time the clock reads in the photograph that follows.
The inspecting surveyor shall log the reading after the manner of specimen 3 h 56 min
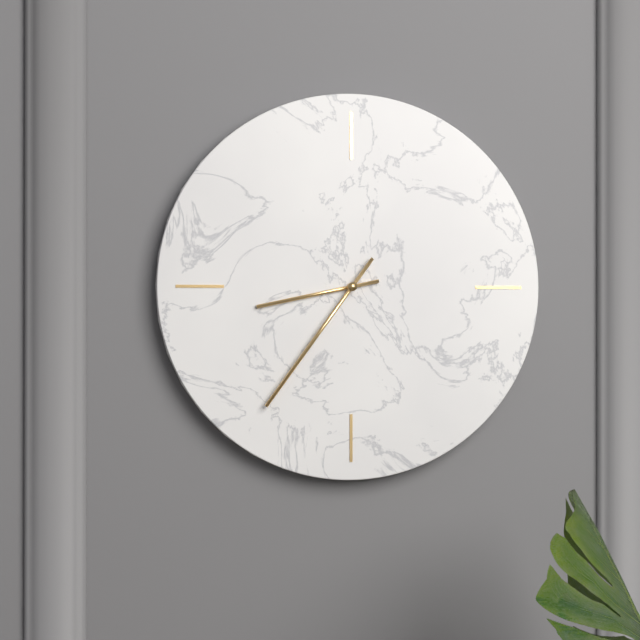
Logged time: 8 h 36 min
